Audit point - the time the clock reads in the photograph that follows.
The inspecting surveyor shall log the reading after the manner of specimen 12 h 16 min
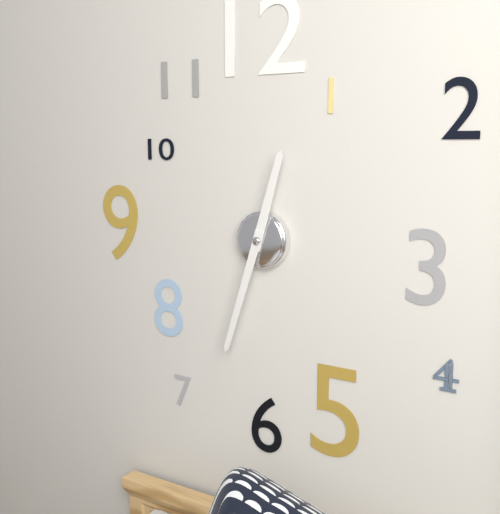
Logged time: 12 h 33 min
